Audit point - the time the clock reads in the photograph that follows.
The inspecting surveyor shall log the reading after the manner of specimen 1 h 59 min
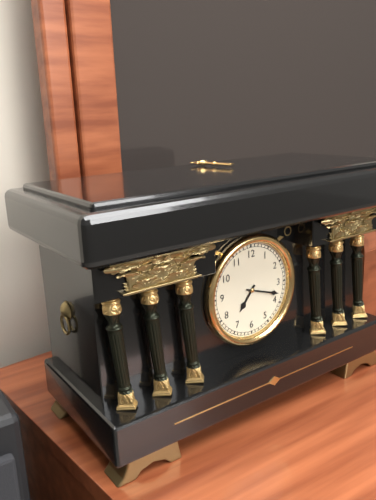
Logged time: 7 h 18 min
